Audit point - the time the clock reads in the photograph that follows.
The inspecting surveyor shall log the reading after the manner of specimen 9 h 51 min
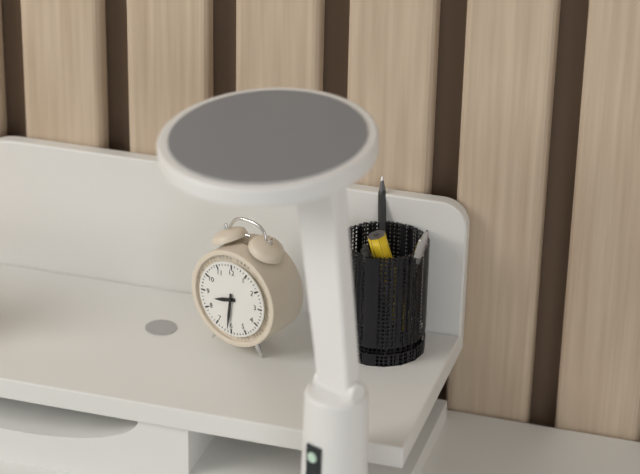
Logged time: 8 h 31 min
